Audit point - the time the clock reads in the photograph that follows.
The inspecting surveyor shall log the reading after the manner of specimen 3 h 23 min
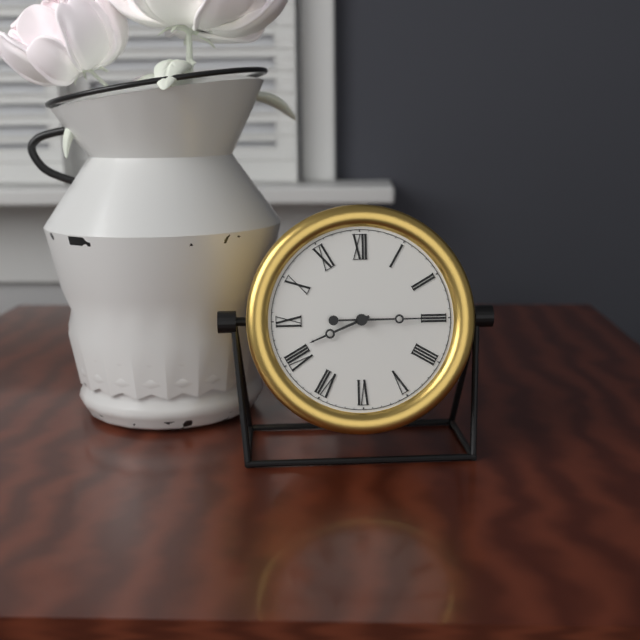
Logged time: 8 h 15 min
